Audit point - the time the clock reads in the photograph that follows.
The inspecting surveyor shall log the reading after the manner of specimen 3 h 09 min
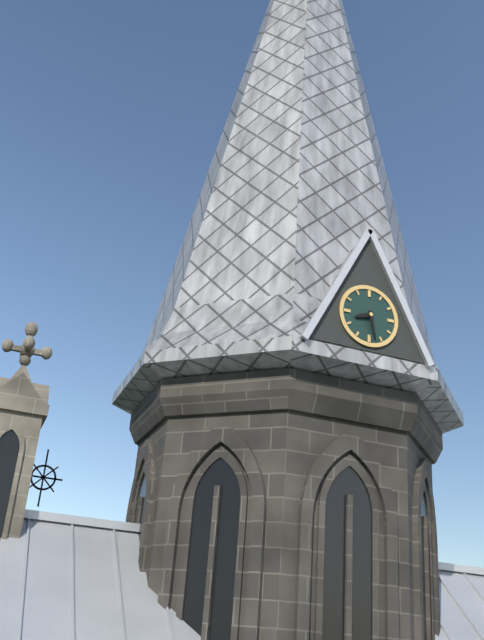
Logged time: 8 h 28 min
